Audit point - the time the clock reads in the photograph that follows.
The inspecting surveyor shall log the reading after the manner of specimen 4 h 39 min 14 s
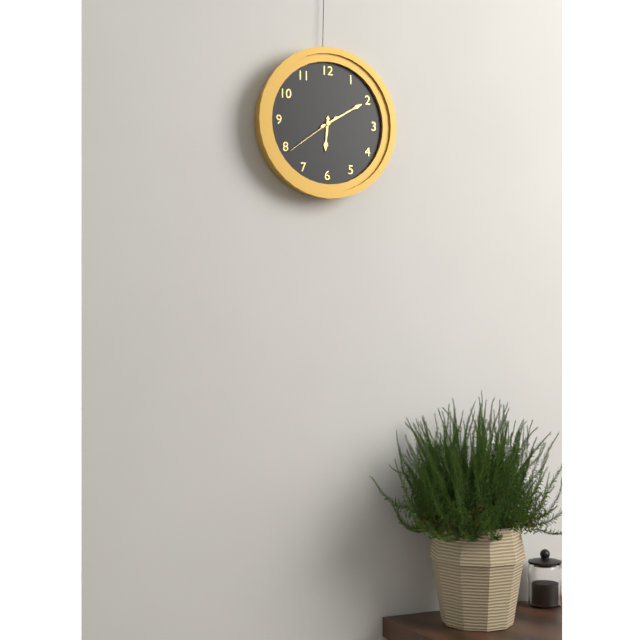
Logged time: 6 h 10 min 39 s
